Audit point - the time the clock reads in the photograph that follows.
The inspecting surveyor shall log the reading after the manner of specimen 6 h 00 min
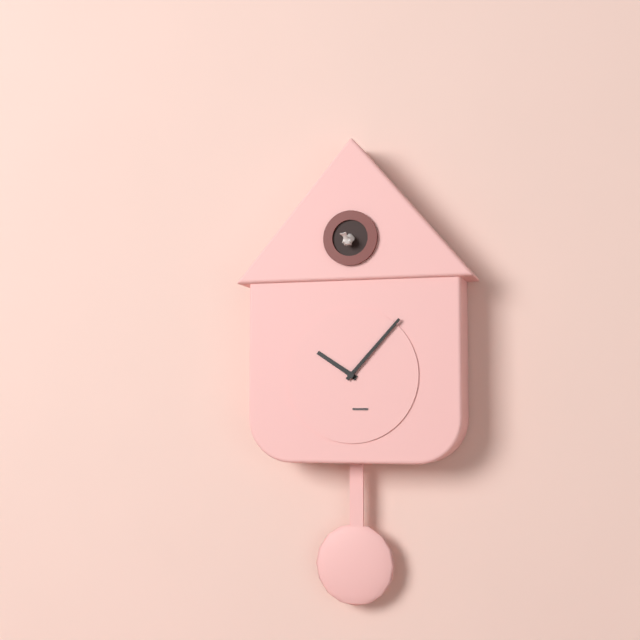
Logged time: 10 h 07 min
